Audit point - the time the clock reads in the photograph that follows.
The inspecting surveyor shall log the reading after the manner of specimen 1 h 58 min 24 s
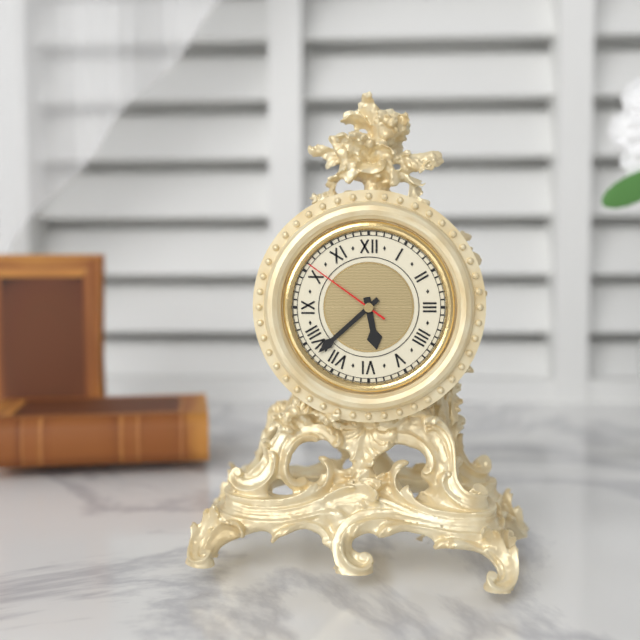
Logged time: 5 h 38 min 51 s
